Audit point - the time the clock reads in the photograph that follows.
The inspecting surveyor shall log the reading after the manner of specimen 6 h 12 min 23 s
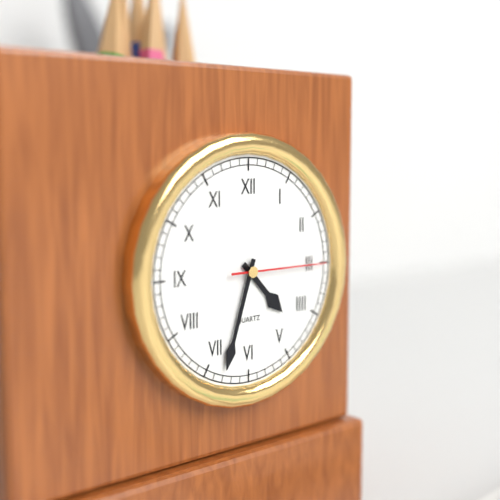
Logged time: 4 h 33 min 15 s
